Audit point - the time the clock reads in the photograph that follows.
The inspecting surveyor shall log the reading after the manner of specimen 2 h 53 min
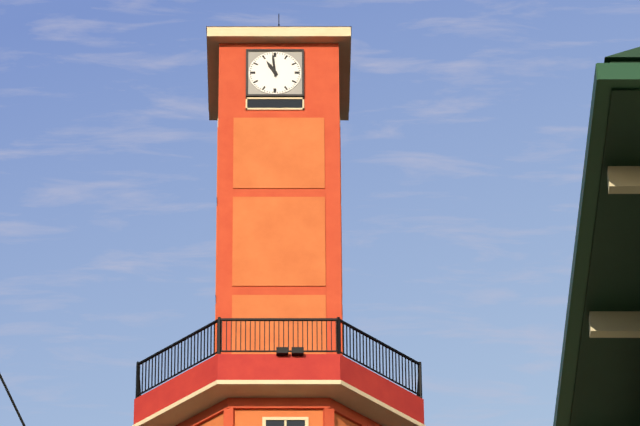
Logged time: 10 h 59 min
